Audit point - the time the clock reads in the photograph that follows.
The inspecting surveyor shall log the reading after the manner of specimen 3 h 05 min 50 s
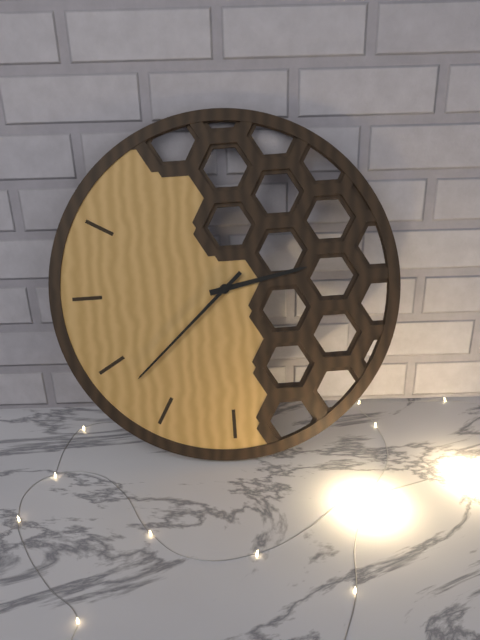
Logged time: 2 h 38 min 38 s
